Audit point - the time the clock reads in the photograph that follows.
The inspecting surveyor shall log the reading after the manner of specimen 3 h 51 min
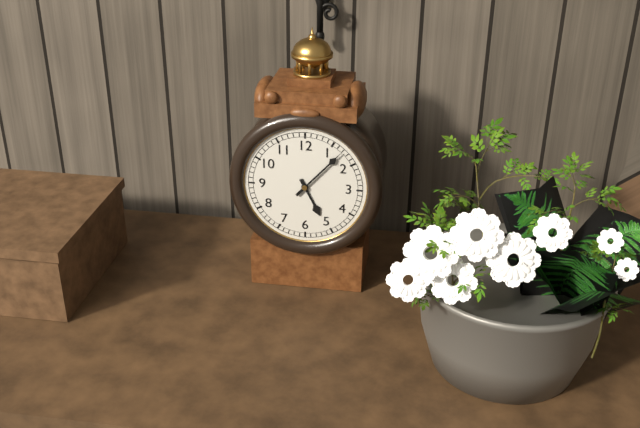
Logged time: 5 h 07 min
